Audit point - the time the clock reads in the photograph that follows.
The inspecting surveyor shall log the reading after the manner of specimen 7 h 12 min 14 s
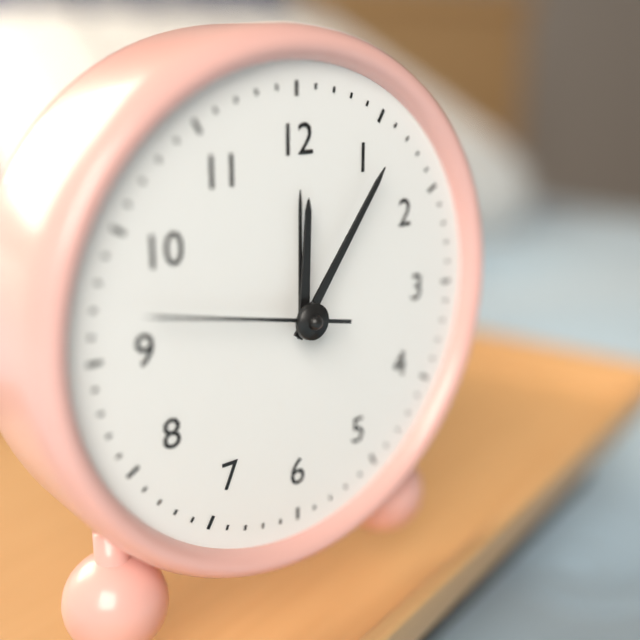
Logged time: 12 h 06 min 47 s
